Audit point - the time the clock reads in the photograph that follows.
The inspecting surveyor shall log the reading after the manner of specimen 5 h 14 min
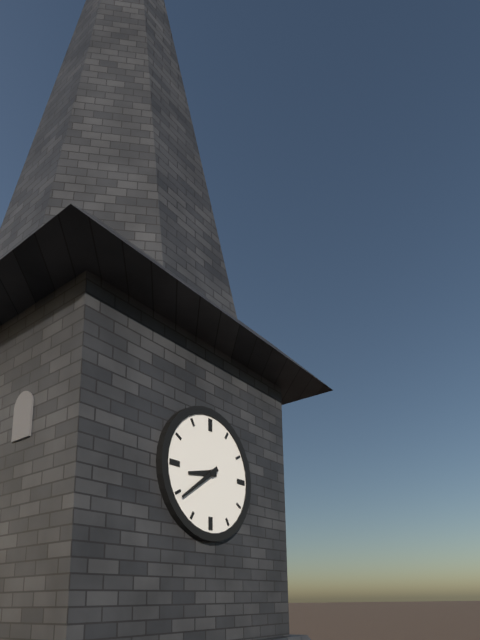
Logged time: 8 h 39 min
